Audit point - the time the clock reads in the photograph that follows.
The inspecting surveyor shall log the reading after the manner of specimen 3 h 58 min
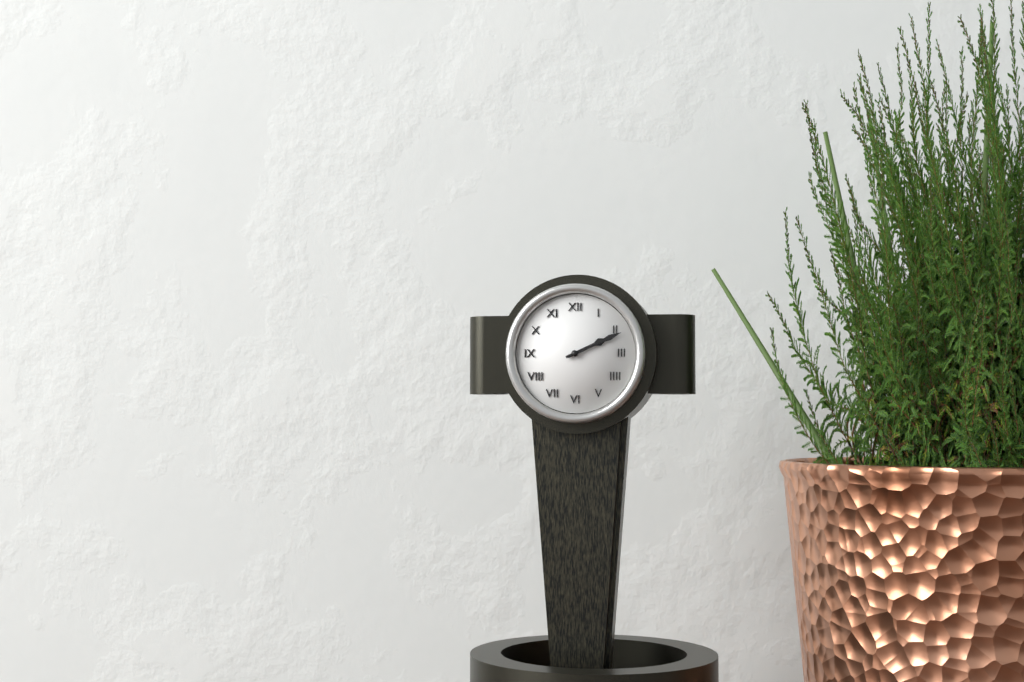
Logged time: 2 h 11 min
